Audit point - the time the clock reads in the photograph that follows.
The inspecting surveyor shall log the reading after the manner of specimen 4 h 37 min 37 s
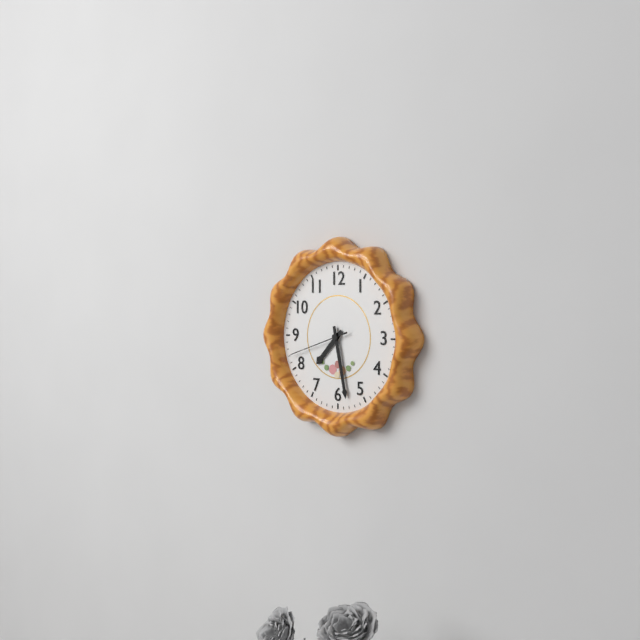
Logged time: 7 h 28 min 42 s
